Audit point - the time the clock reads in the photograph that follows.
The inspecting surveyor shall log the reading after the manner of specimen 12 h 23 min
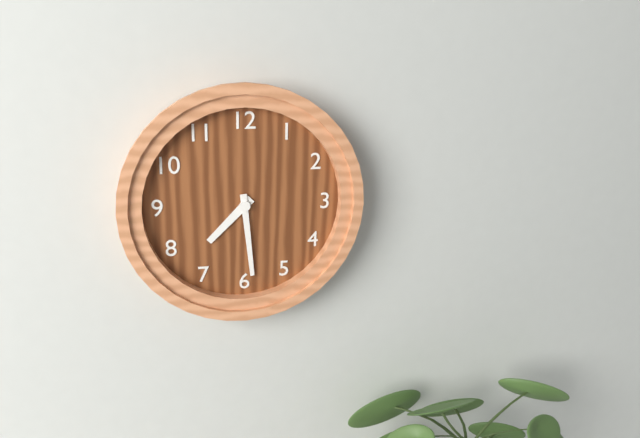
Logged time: 7 h 29 min
